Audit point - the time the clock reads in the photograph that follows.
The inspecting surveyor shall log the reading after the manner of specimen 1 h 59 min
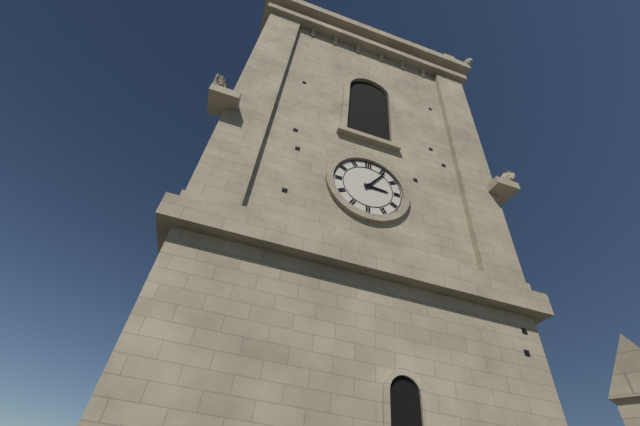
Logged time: 3 h 06 min
